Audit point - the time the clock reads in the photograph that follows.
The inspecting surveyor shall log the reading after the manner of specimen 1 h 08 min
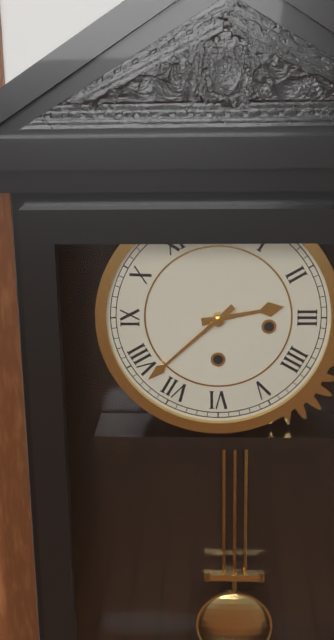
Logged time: 2 h 38 min
